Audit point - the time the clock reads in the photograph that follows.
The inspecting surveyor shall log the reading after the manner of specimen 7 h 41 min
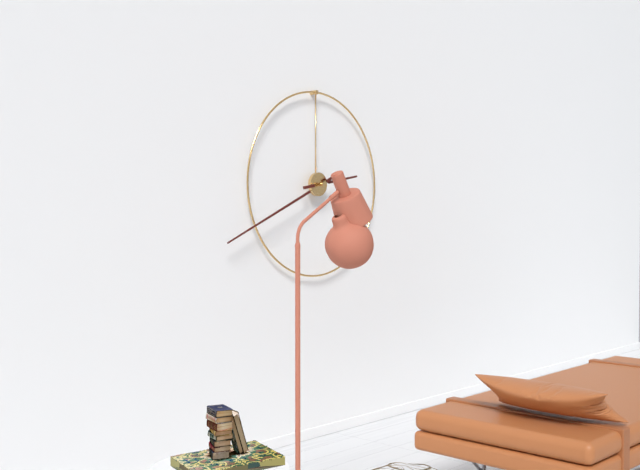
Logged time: 2 h 41 min
